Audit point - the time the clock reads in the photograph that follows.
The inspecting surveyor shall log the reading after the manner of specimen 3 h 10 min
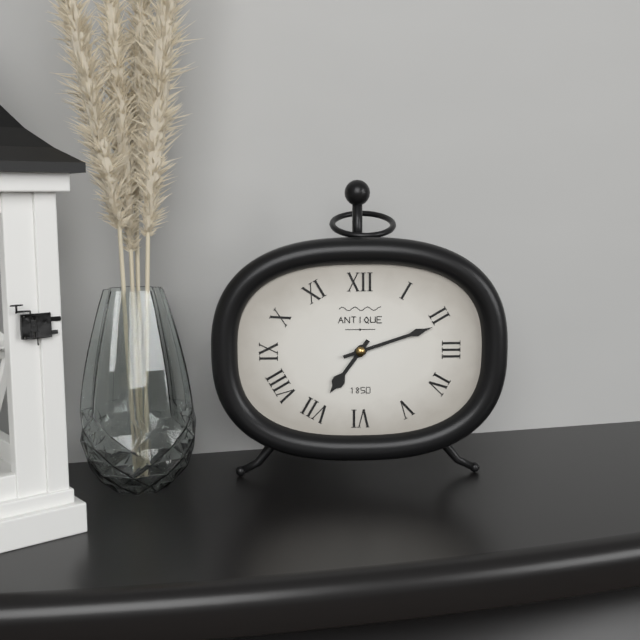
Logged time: 7 h 12 min
